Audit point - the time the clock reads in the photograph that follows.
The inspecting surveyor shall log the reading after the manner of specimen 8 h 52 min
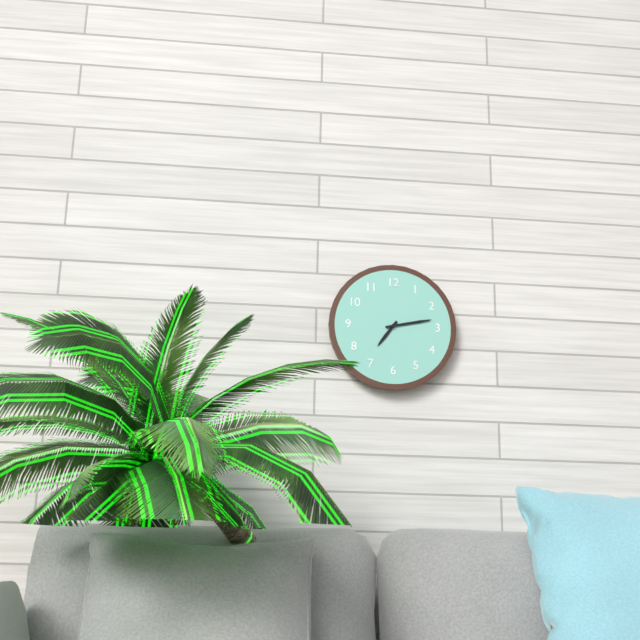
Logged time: 7 h 13 min
